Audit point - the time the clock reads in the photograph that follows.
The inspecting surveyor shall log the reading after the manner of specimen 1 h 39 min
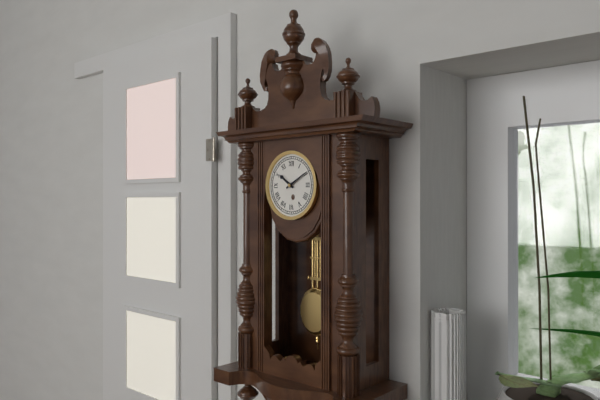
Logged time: 10 h 10 min
